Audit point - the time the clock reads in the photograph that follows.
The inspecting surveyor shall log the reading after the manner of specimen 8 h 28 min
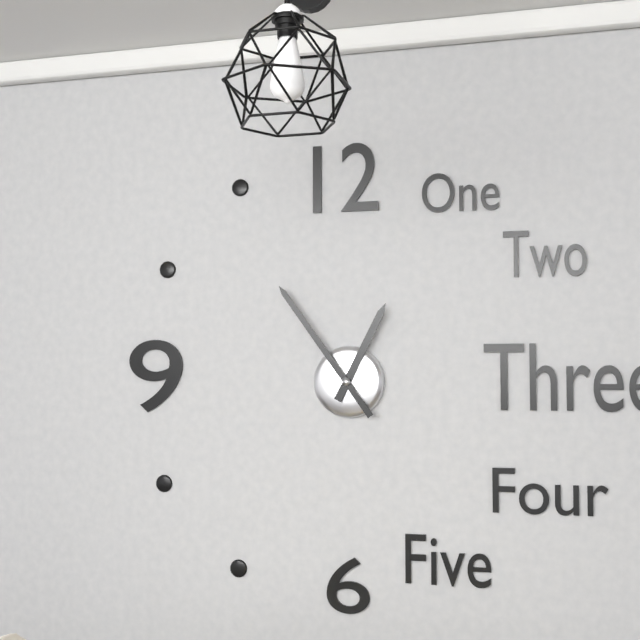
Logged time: 12 h 54 min
